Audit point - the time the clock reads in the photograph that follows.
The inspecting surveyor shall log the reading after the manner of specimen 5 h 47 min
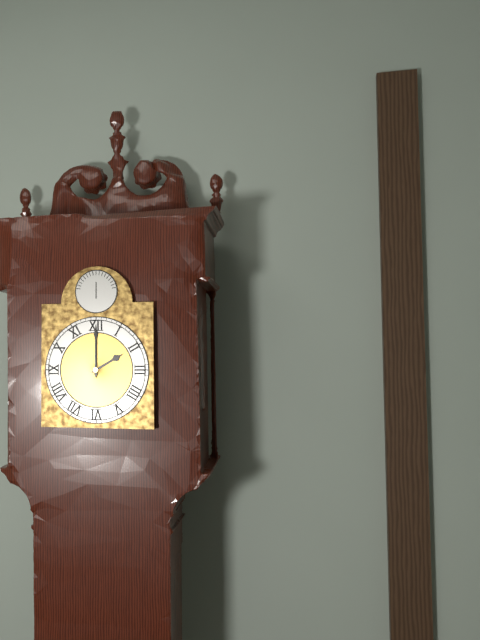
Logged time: 2 h 00 min
